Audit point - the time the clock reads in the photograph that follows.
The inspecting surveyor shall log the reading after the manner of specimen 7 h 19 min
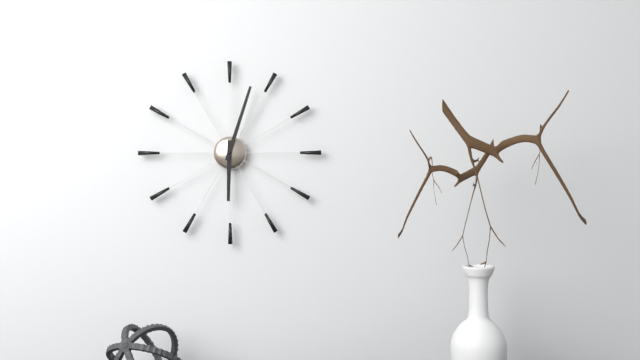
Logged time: 6 h 03 min
